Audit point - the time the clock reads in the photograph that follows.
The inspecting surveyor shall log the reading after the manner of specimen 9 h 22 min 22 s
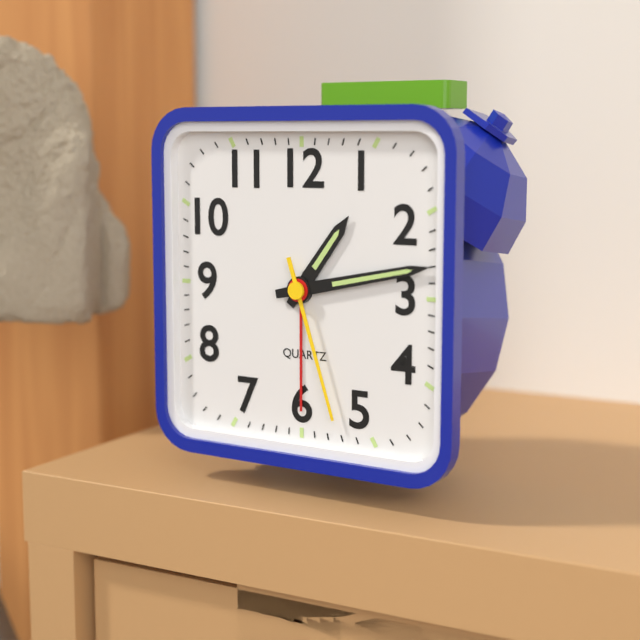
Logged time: 1 h 13 min 27 s
